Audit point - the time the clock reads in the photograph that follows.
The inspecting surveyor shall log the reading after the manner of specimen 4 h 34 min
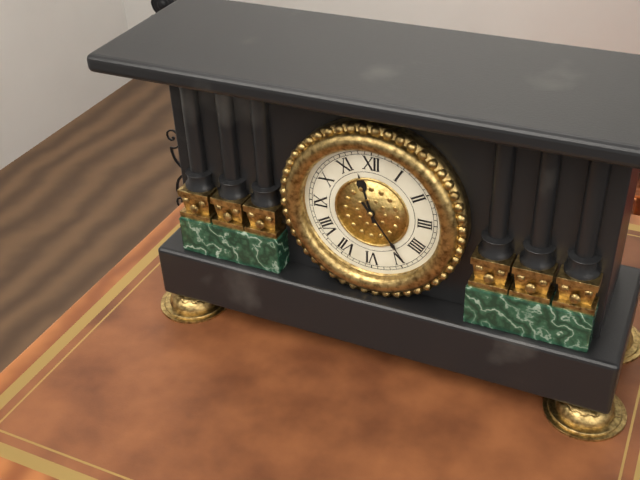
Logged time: 11 h 24 min
